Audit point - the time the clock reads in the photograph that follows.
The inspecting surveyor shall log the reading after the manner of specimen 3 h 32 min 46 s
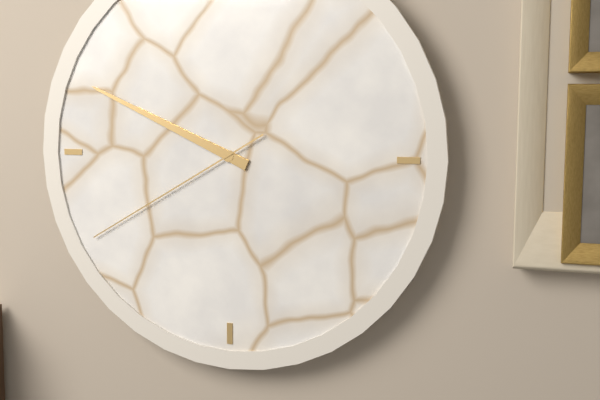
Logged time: 9 h 49 min 40 s
